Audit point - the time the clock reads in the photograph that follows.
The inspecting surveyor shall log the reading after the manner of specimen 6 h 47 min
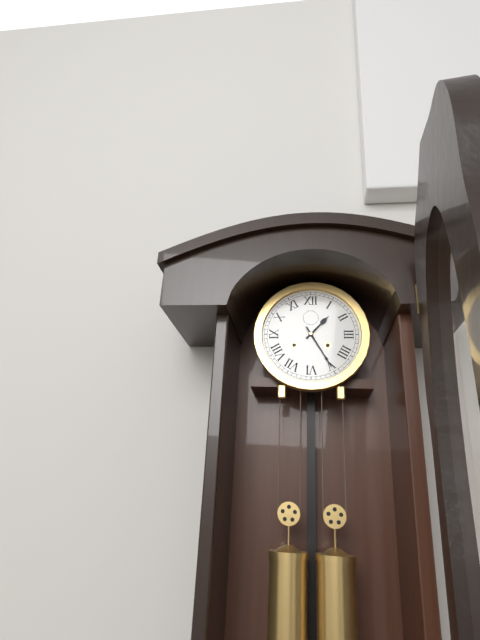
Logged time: 1 h 25 min
